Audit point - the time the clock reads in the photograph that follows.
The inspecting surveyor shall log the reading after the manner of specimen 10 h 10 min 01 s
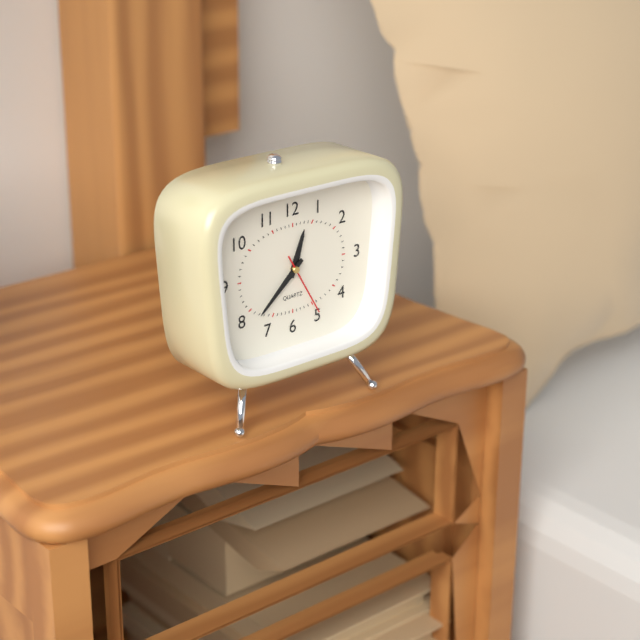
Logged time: 12 h 38 min 25 s
